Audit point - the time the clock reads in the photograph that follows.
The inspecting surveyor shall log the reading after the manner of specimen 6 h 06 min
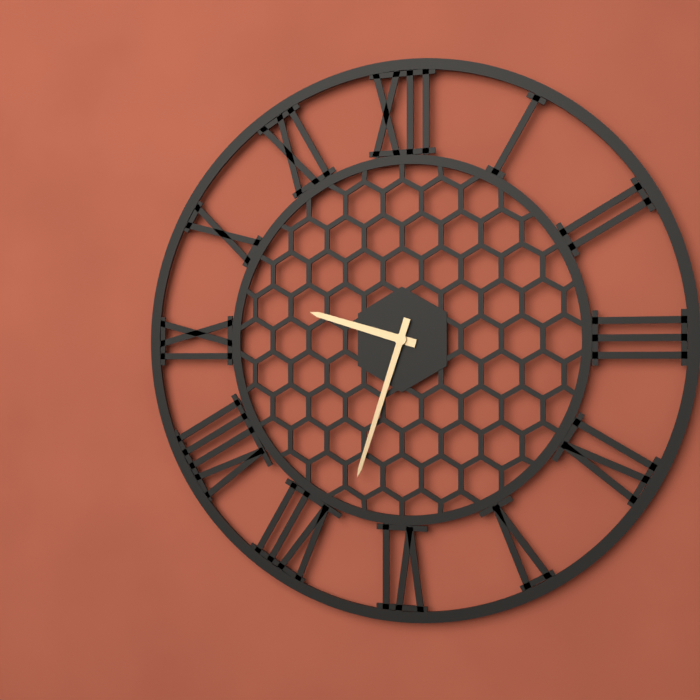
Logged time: 9 h 33 min
